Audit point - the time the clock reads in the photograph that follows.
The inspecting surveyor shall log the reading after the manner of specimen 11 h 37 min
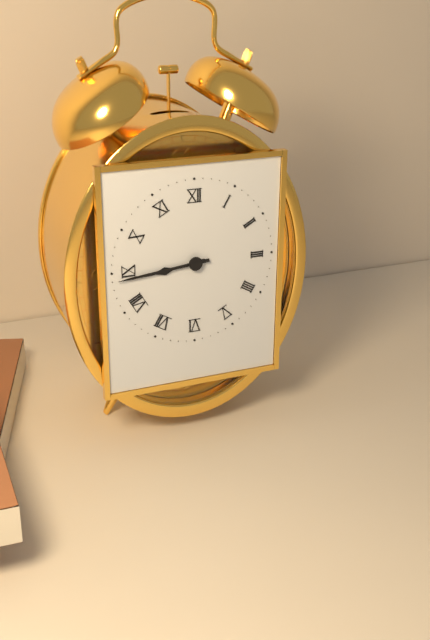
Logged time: 8 h 44 min
